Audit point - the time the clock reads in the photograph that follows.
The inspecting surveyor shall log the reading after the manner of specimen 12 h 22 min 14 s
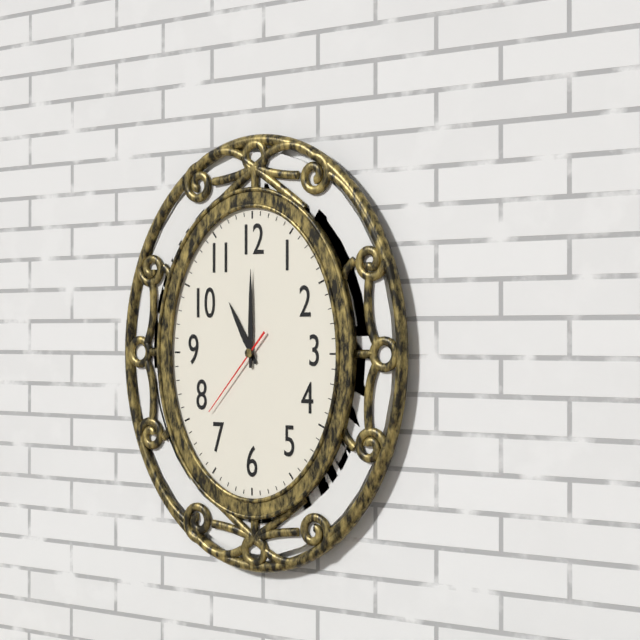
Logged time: 11 h 00 min 37 s
